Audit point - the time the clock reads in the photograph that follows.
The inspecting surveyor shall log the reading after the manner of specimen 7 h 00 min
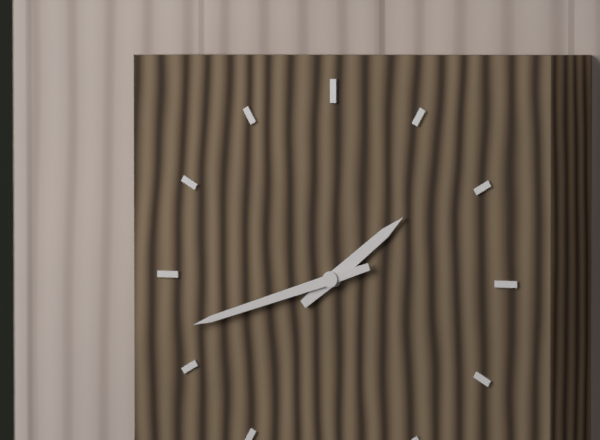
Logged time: 1 h 42 min
